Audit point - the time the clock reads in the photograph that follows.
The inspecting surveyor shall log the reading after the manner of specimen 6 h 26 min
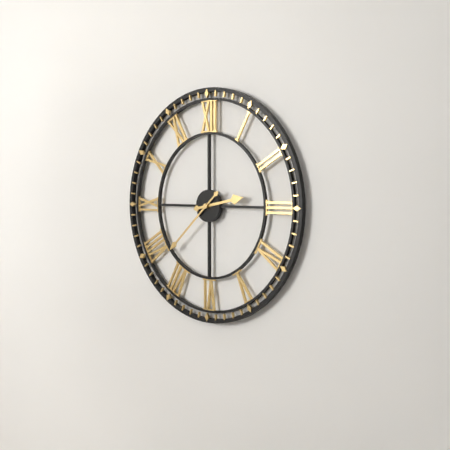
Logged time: 2 h 38 min
